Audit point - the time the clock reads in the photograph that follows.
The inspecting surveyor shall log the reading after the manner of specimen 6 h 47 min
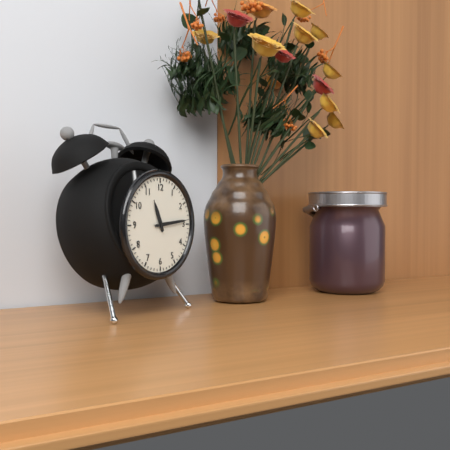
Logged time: 11 h 14 min
